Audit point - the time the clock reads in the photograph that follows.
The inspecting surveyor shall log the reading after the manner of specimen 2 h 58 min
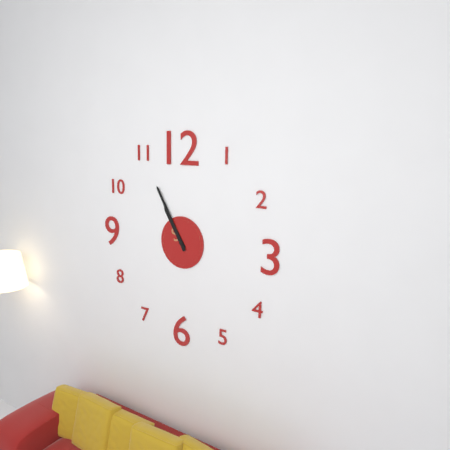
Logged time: 10 h 55 min
